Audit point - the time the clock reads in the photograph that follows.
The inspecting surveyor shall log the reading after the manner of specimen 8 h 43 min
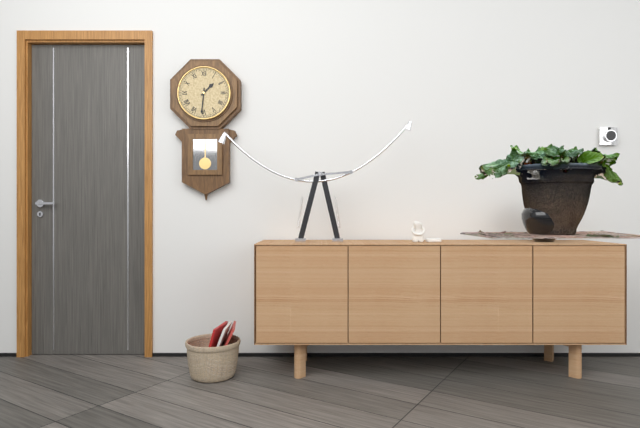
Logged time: 1 h 31 min
